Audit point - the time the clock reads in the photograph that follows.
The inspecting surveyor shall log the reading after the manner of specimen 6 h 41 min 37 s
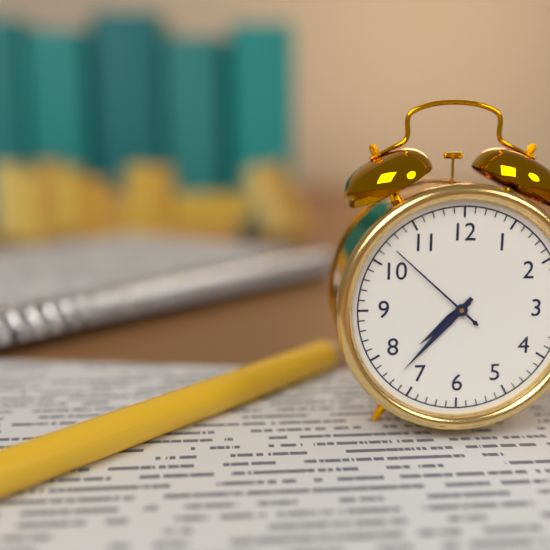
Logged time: 7 h 37 min 52 s
